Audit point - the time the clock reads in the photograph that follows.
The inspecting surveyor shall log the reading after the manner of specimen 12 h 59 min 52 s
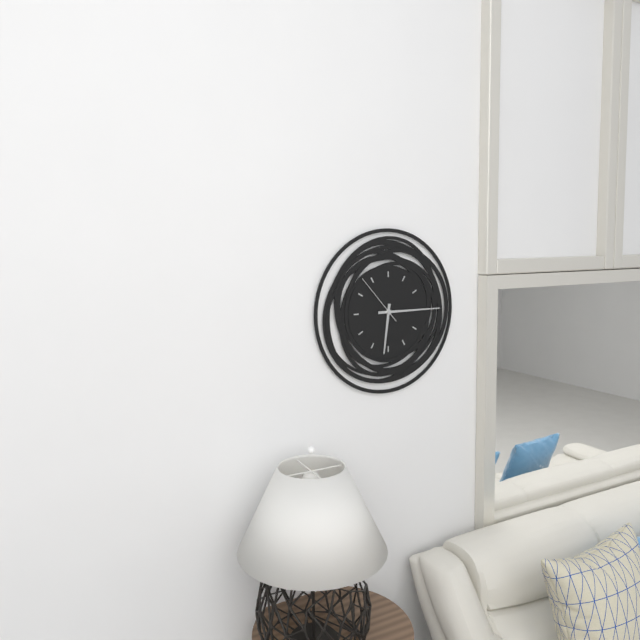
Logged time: 6 h 15 min 53 s
